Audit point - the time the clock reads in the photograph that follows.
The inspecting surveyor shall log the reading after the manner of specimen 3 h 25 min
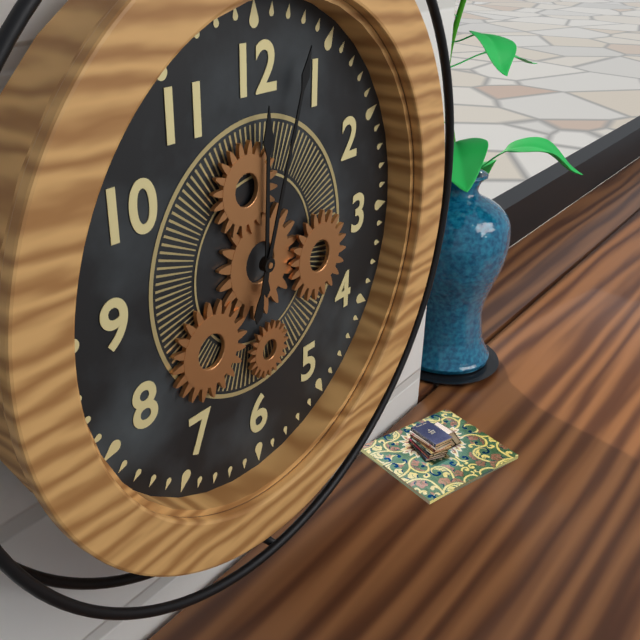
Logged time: 12 h 03 min
